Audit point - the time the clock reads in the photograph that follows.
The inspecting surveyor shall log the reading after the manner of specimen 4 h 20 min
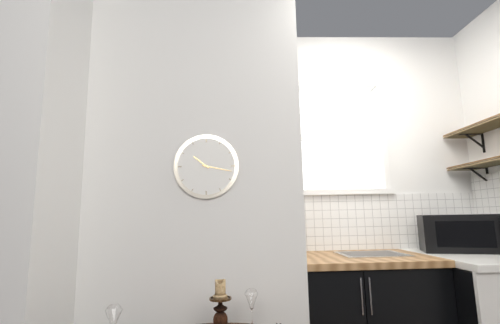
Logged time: 10 h 17 min
